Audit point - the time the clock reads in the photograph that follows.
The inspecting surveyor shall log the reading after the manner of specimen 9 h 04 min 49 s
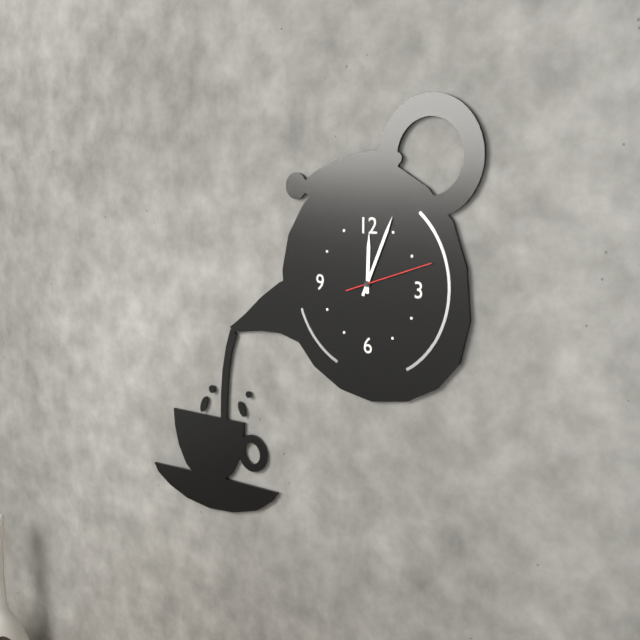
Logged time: 12 h 04 min 12 s
